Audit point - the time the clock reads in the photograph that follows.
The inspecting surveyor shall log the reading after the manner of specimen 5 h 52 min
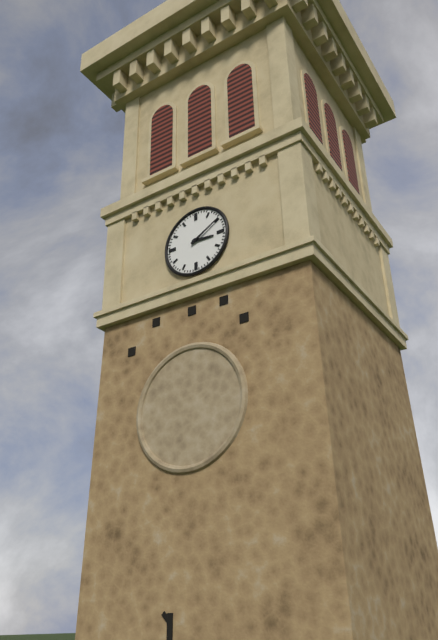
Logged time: 3 h 10 min
